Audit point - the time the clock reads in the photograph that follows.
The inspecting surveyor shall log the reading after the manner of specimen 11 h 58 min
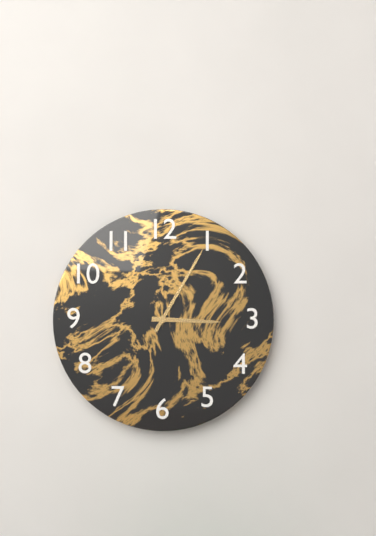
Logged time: 3 h 05 min
